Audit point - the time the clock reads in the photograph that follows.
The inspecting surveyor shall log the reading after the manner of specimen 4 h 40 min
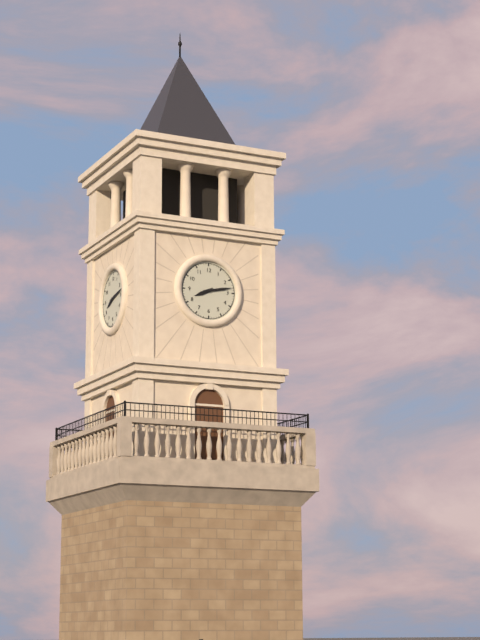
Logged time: 8 h 13 min
